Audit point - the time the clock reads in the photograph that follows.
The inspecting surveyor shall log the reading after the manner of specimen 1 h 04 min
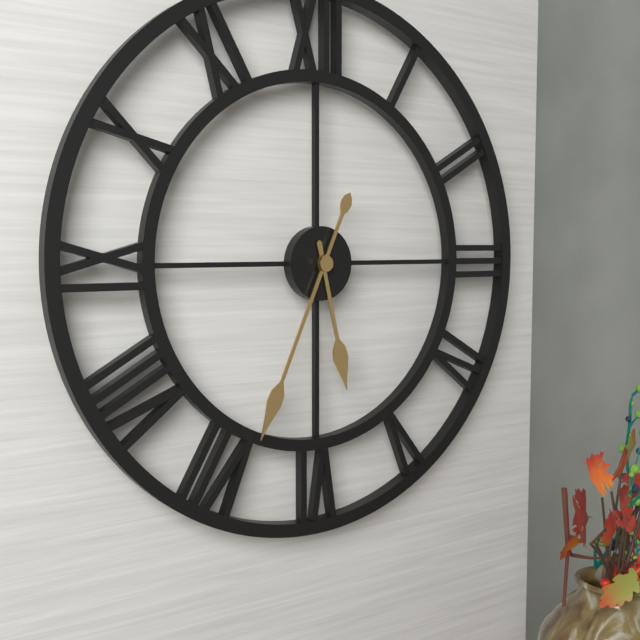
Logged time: 5 h 34 min
